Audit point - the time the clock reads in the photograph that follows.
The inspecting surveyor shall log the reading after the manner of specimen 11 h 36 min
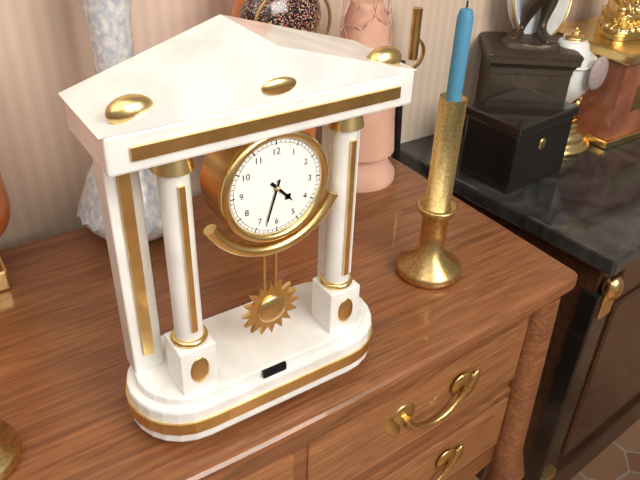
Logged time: 4 h 33 min
